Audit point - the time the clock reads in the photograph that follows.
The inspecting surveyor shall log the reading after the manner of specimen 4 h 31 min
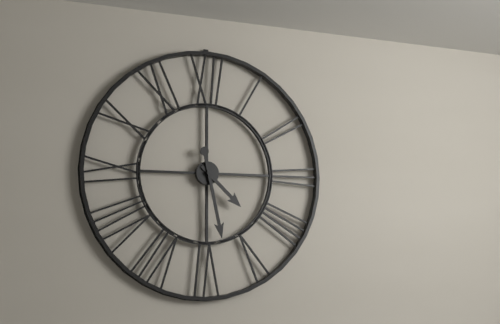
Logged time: 4 h 28 min
